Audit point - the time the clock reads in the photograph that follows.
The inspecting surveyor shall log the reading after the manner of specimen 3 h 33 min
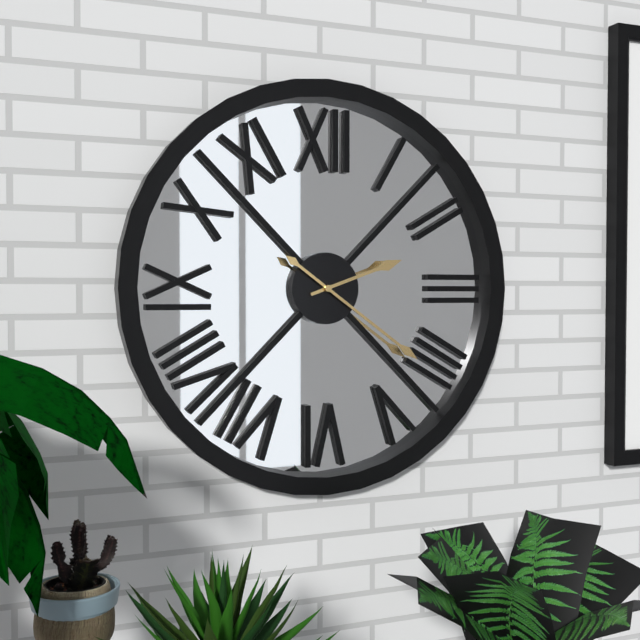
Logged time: 2 h 21 min
